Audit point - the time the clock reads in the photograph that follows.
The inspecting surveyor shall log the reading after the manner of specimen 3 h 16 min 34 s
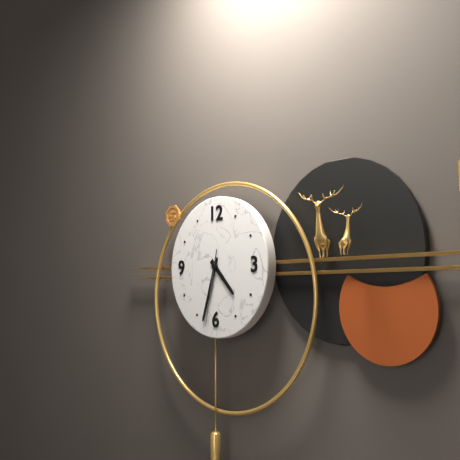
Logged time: 4 h 33 min 32 s
